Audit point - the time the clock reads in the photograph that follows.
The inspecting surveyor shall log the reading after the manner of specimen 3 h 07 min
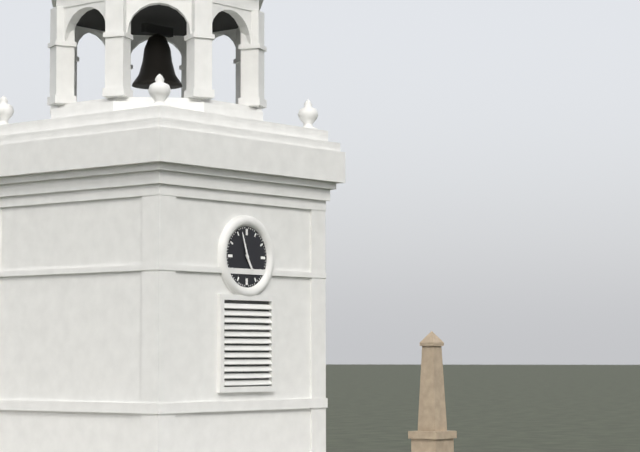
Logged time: 4 h 57 min
